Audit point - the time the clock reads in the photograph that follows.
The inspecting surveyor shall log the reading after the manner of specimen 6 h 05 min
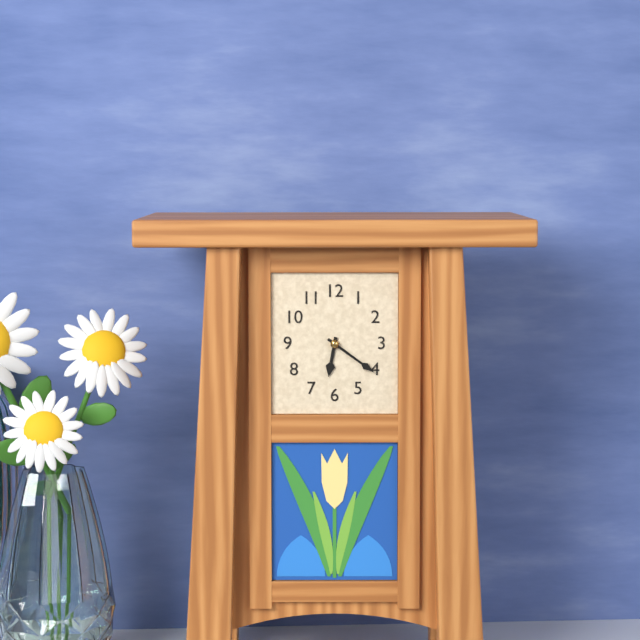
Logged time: 6 h 21 min
